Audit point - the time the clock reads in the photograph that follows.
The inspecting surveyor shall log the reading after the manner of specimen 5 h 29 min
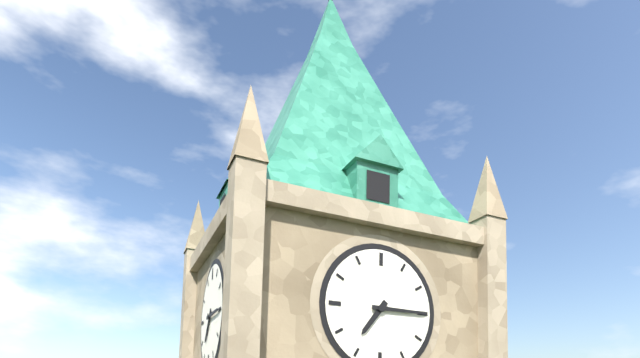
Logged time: 7 h 15 min
